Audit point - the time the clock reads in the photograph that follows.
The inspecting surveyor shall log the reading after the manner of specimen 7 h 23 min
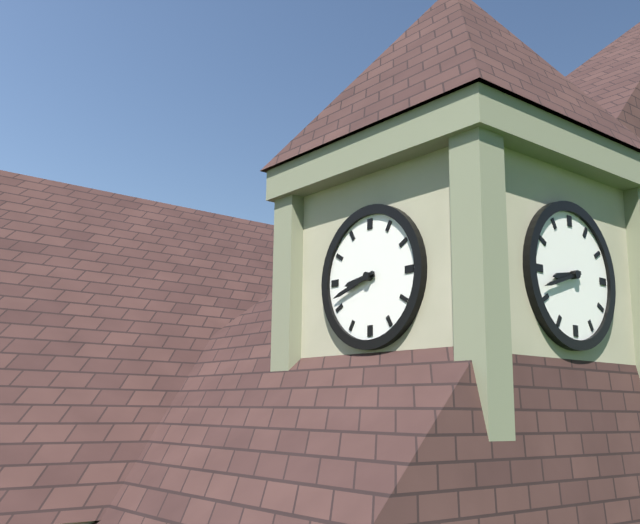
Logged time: 8 h 42 min
